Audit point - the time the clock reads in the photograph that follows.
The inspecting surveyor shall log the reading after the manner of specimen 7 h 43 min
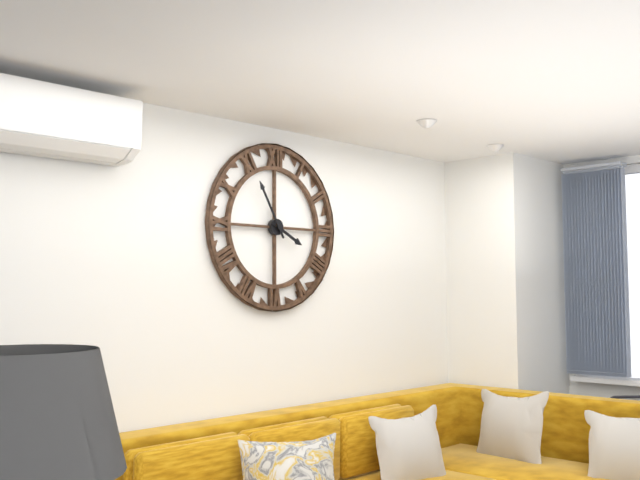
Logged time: 3 h 55 min
